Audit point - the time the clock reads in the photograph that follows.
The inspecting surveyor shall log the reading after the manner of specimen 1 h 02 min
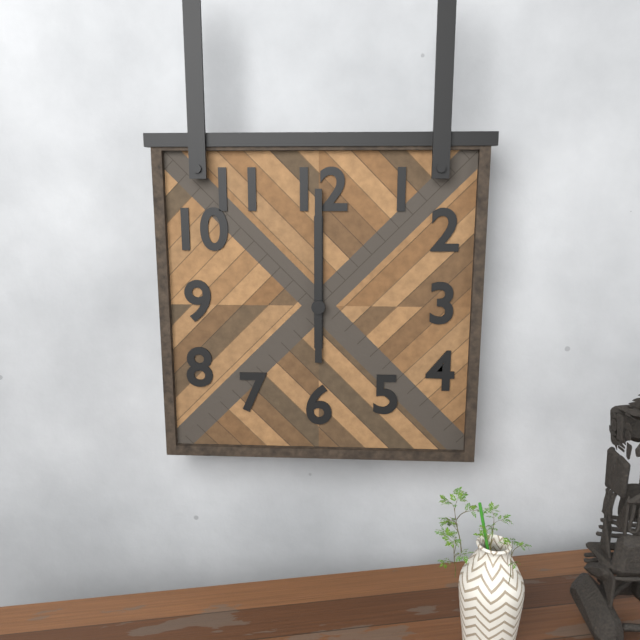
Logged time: 12 h 00 min
